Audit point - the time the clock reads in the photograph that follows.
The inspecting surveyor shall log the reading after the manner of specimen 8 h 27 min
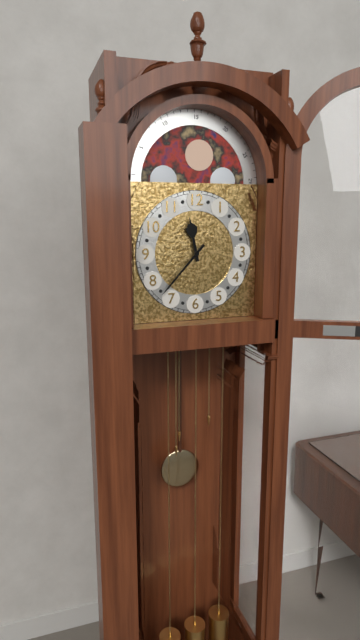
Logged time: 11 h 37 min
